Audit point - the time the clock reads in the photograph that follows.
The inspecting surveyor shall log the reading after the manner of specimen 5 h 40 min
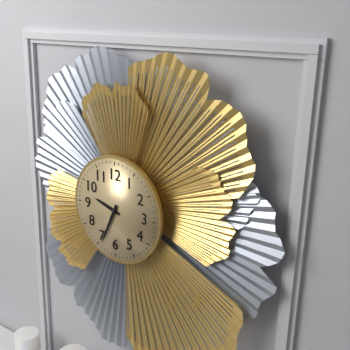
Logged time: 9 h 34 min
